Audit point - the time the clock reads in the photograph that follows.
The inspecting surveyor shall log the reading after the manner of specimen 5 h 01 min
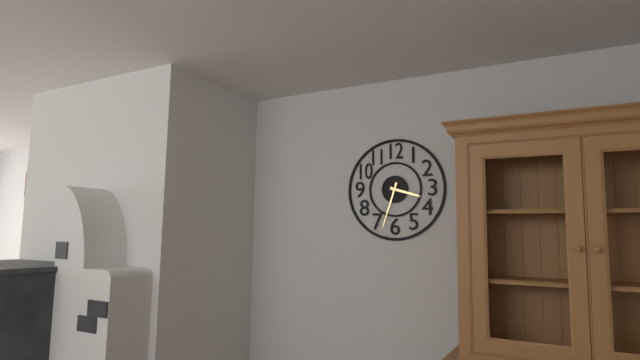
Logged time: 3 h 33 min
